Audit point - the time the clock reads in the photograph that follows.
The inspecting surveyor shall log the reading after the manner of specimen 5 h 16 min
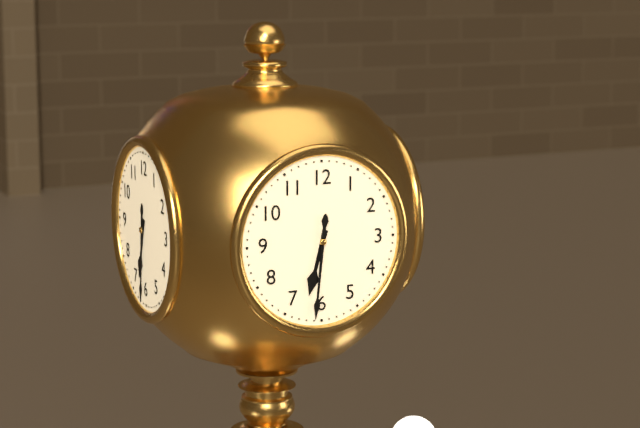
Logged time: 6 h 31 min
